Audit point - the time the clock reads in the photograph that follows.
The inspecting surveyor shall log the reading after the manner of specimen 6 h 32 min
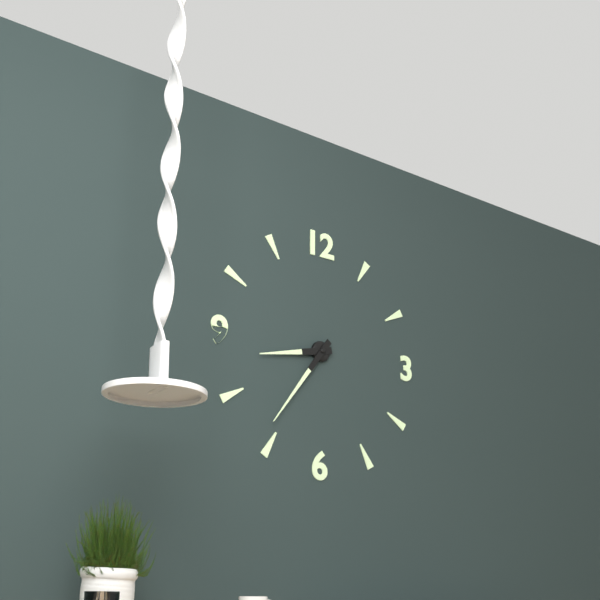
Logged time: 8 h 36 min
